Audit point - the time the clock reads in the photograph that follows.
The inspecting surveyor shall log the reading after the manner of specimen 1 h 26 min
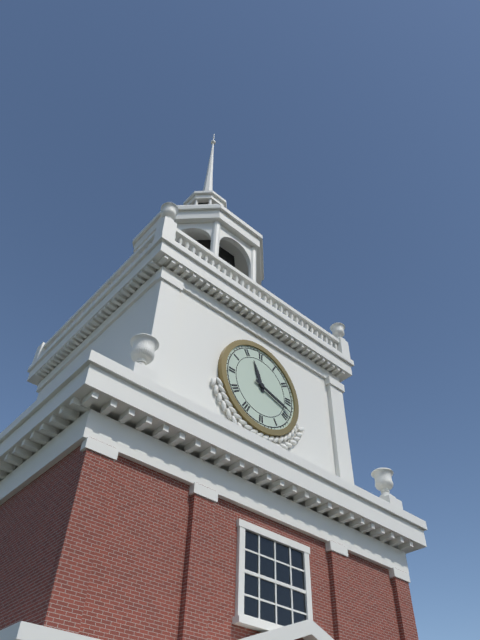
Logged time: 11 h 18 min
